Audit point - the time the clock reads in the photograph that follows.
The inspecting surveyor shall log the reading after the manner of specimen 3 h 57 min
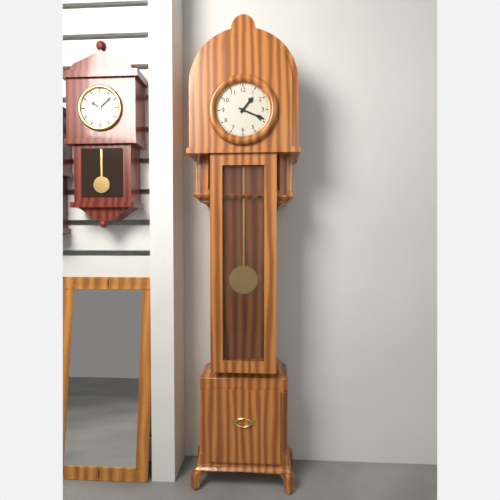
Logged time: 1 h 19 min
